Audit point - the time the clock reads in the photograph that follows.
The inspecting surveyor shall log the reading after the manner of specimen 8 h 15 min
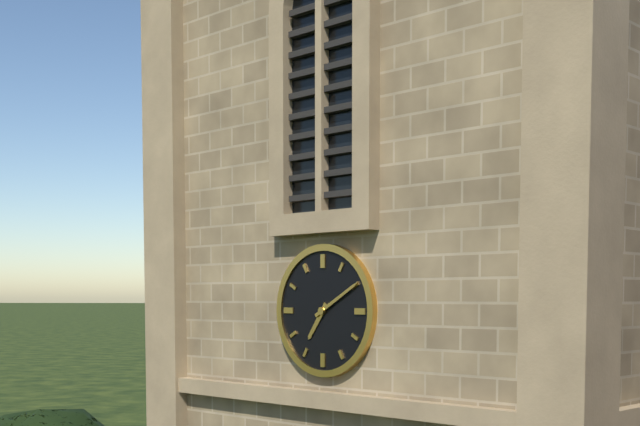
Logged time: 7 h 10 min
